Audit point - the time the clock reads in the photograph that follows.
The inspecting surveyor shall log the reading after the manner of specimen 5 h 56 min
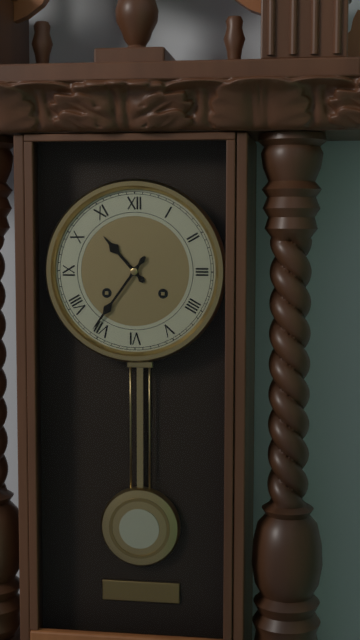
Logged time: 10 h 36 min
